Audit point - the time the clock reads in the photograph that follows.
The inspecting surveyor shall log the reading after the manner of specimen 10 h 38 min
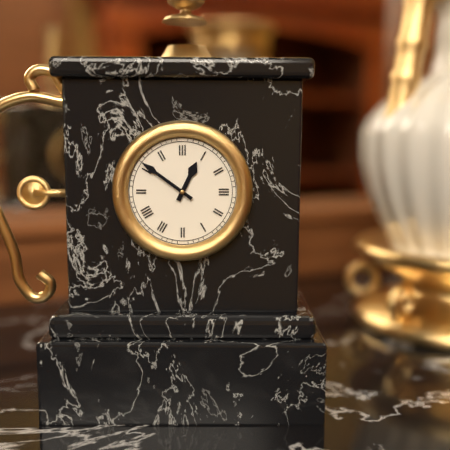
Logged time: 12 h 51 min
